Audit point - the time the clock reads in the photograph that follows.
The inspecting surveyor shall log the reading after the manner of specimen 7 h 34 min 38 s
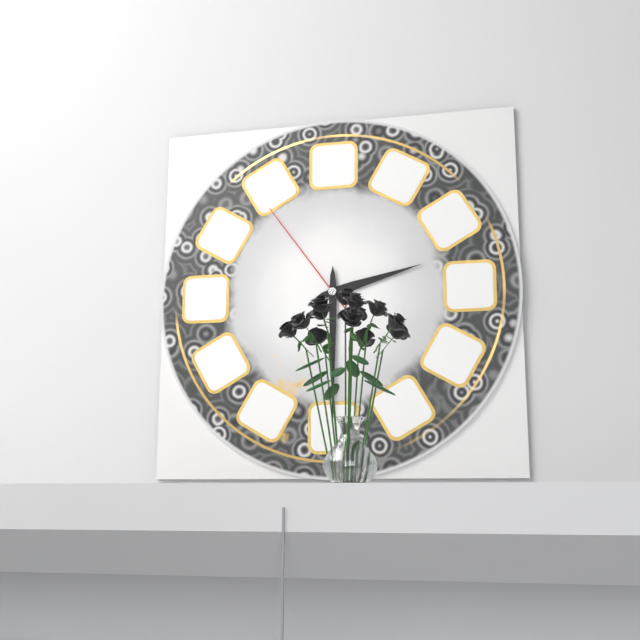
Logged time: 2 h 30 min 54 s
